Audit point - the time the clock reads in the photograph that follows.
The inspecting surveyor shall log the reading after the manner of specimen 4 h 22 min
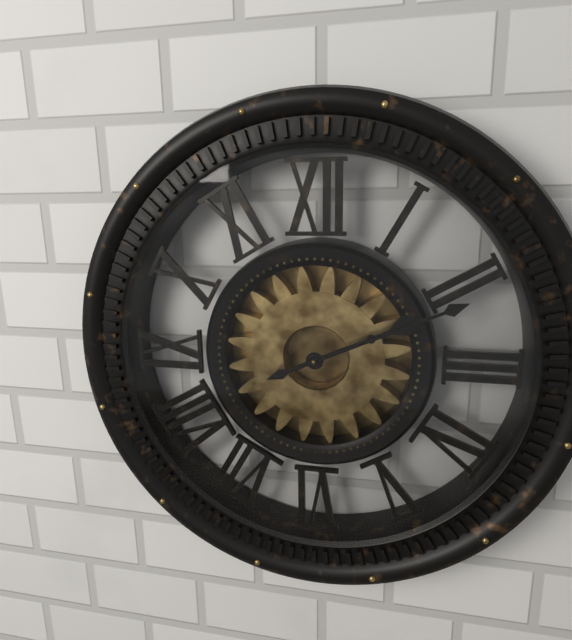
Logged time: 2 h 11 min
